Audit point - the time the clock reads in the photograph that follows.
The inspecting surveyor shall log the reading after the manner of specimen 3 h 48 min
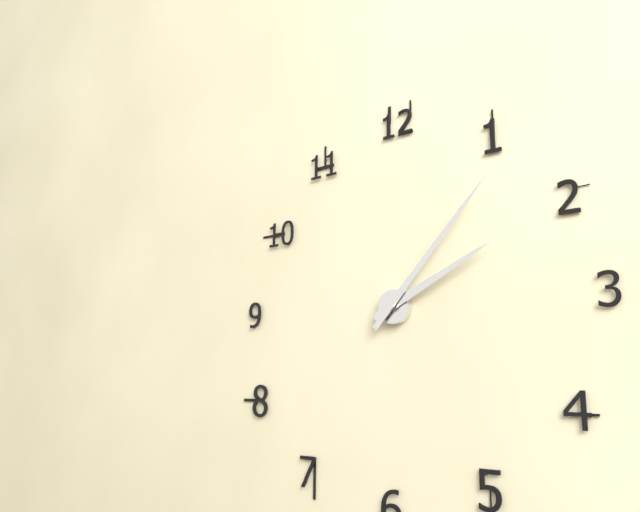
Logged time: 2 h 07 min
